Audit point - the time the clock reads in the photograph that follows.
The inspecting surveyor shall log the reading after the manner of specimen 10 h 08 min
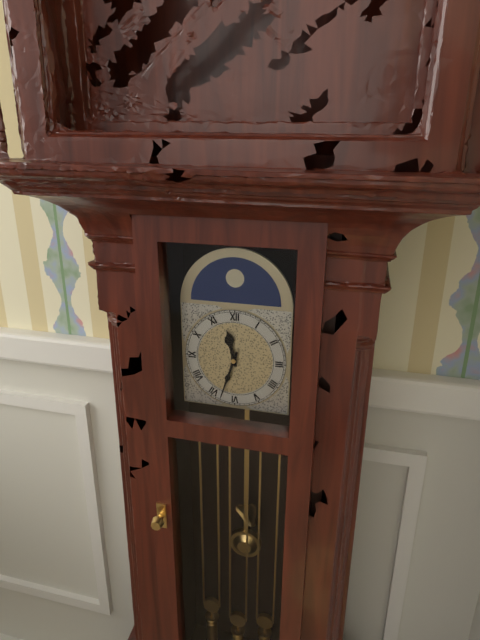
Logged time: 11 h 33 min
